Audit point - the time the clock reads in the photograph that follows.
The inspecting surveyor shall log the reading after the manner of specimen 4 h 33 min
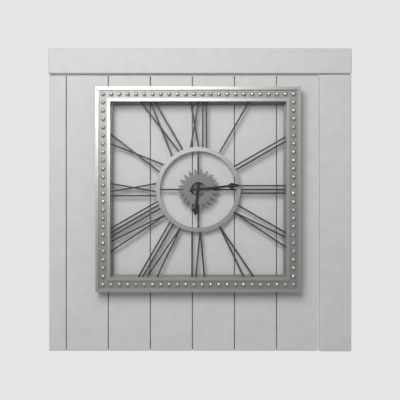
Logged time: 6 h 14 min
